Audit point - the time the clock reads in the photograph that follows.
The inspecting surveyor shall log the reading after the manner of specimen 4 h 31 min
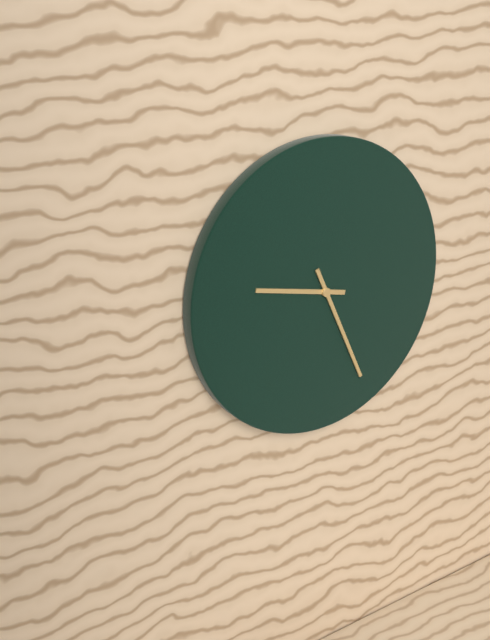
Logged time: 9 h 26 min
